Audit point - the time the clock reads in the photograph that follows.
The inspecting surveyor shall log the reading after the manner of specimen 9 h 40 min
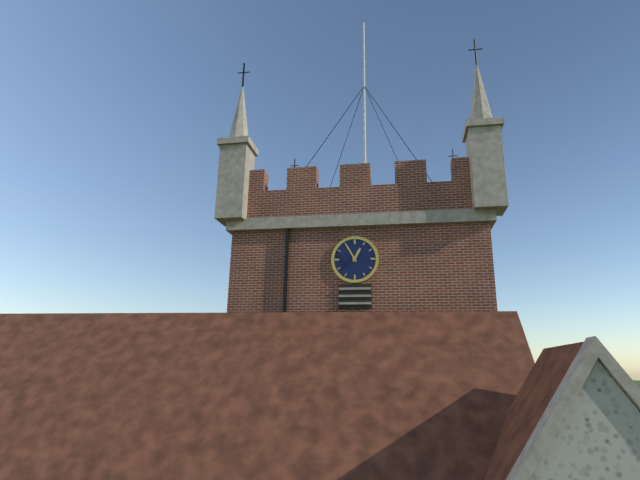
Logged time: 12 h 55 min
